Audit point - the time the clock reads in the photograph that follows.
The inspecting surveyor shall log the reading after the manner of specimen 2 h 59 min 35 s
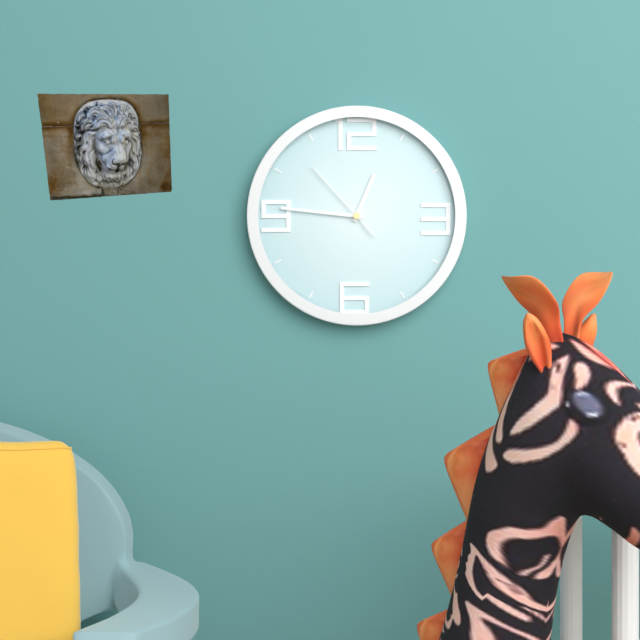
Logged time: 12 h 46 min 53 s
